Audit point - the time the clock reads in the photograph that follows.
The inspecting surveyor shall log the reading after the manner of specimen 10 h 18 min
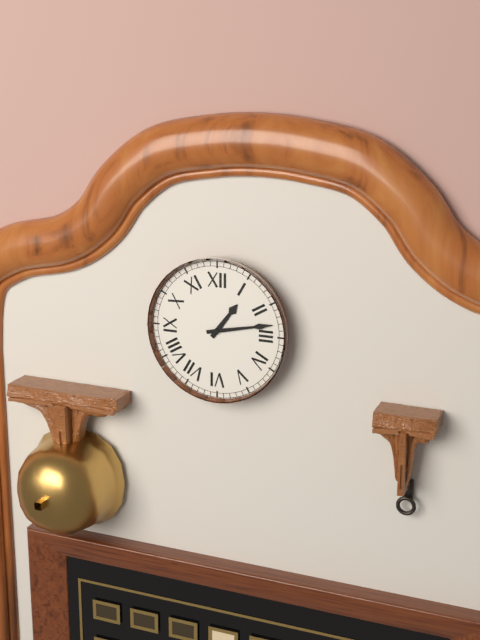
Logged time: 1 h 13 min
